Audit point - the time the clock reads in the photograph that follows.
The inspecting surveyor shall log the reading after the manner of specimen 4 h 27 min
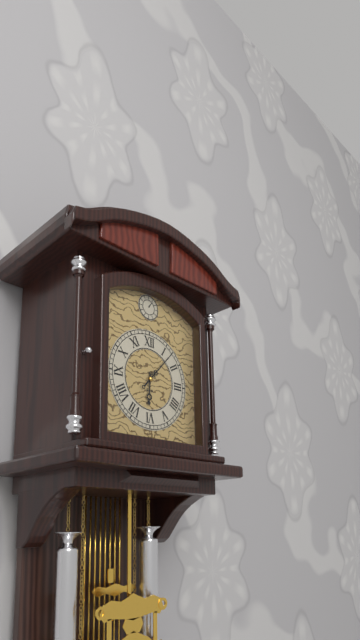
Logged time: 6 h 07 min
